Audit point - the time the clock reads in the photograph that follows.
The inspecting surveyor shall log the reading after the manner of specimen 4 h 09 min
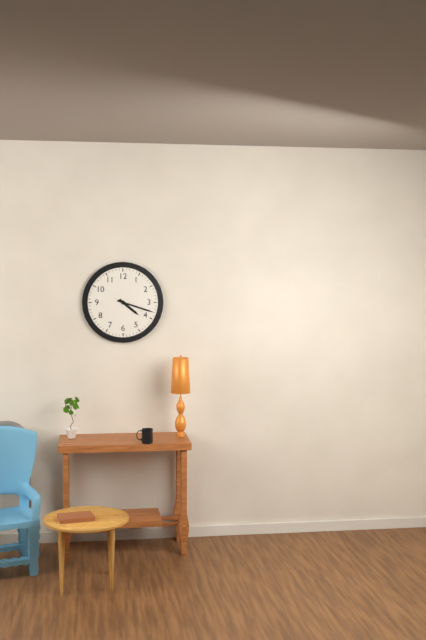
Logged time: 4 h 18 min
